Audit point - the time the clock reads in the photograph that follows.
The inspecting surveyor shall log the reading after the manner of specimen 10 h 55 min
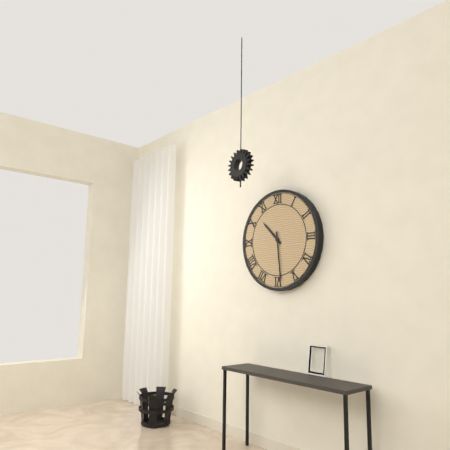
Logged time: 10 h 29 min
